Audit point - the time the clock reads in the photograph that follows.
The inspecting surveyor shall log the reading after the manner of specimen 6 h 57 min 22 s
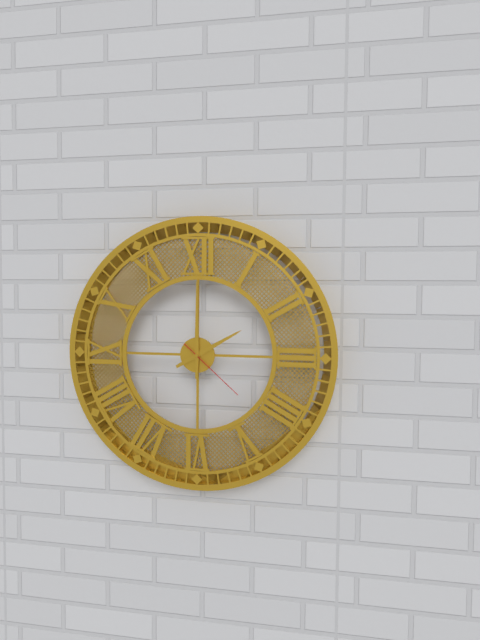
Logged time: 2 h 00 min 22 s
